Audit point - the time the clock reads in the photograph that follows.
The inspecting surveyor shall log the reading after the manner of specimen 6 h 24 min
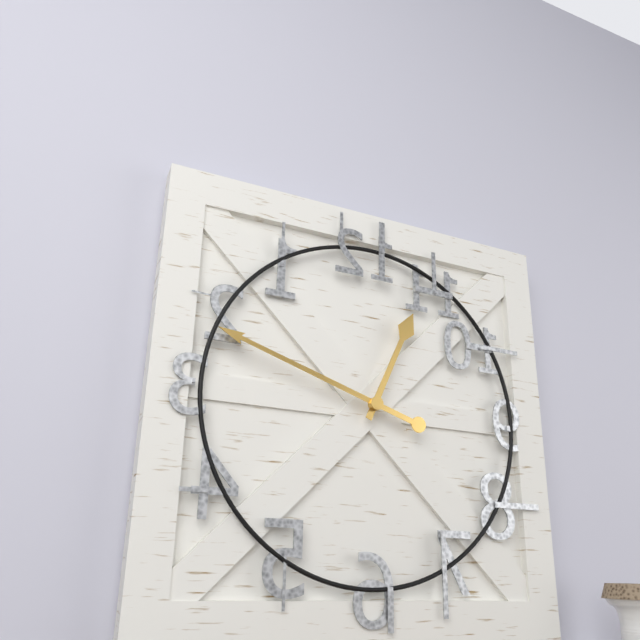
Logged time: 12 h 48 min
